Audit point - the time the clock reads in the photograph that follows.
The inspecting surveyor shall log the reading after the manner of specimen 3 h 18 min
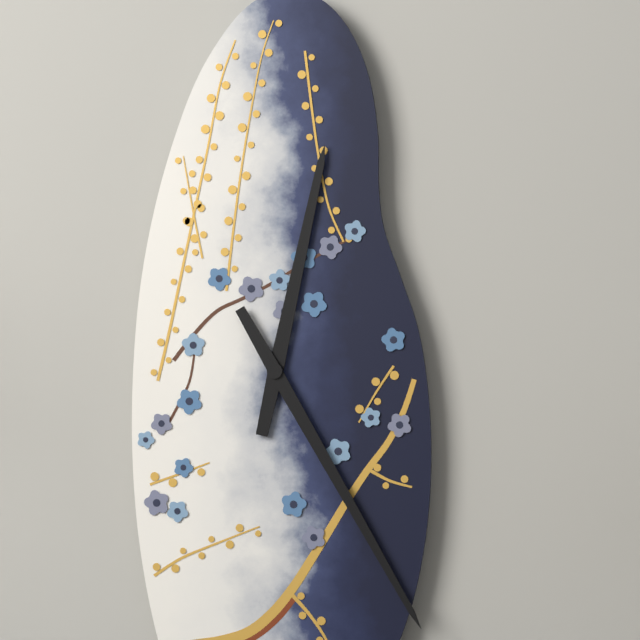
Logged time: 12 h 25 min
